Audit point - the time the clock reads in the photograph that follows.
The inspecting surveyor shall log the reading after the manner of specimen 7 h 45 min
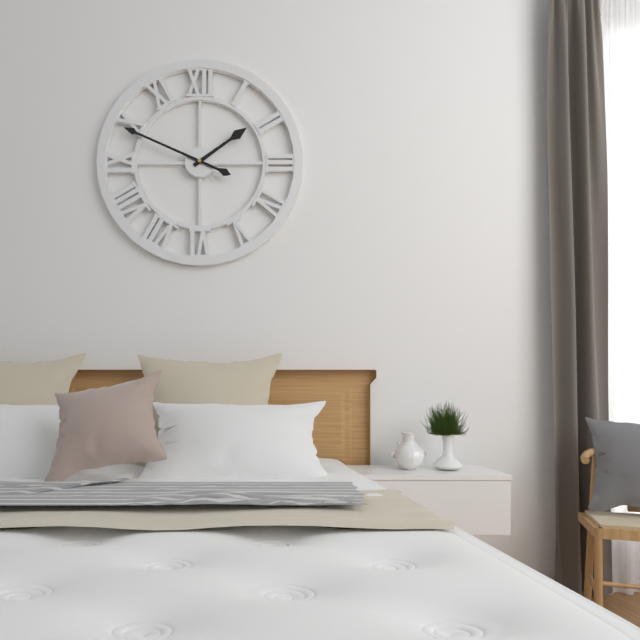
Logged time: 1 h 49 min
